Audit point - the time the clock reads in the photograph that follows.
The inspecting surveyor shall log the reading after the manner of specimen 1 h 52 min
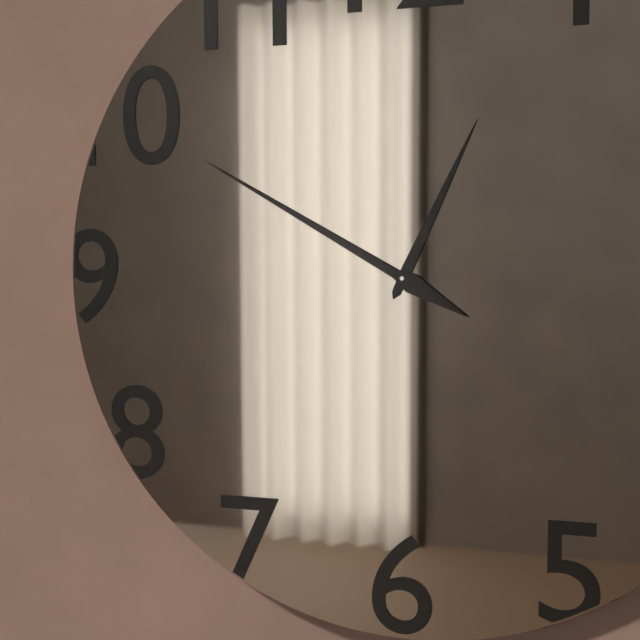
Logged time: 12 h 50 min
